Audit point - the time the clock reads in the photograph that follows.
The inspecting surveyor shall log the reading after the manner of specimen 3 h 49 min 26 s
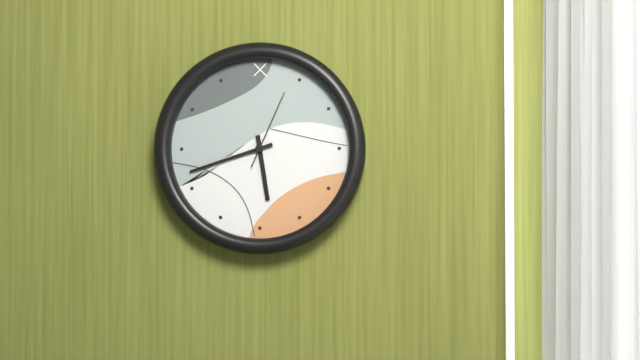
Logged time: 5 h 42 min 04 s
